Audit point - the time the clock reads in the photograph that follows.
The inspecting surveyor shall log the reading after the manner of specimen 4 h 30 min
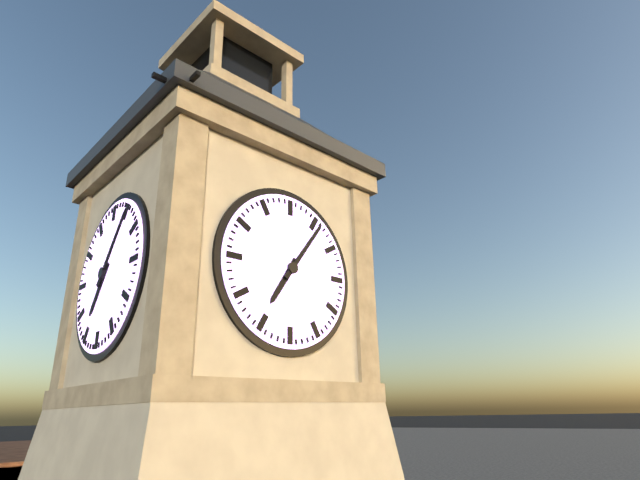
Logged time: 7 h 06 min
